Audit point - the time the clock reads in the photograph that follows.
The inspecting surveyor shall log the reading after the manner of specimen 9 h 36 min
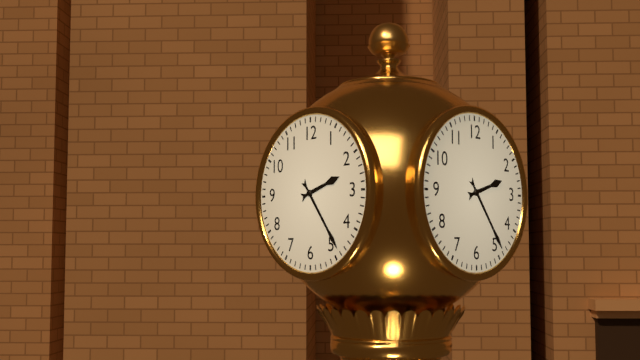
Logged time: 2 h 24 min
